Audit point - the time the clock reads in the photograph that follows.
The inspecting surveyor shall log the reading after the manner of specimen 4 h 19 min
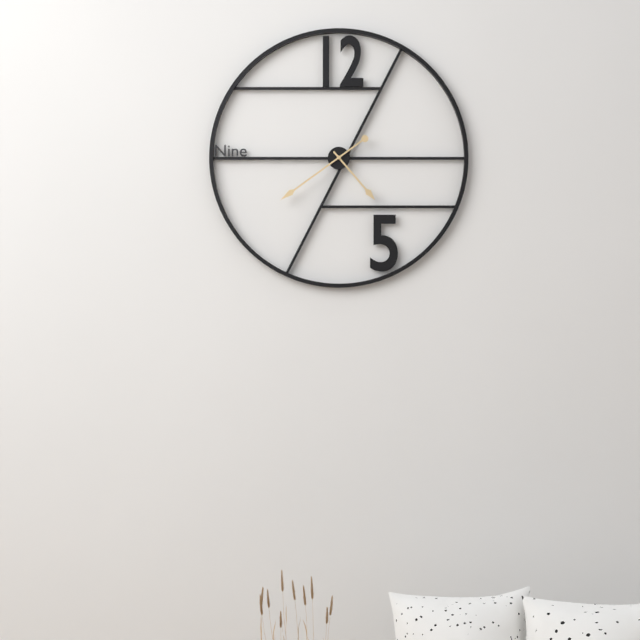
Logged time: 4 h 39 min
